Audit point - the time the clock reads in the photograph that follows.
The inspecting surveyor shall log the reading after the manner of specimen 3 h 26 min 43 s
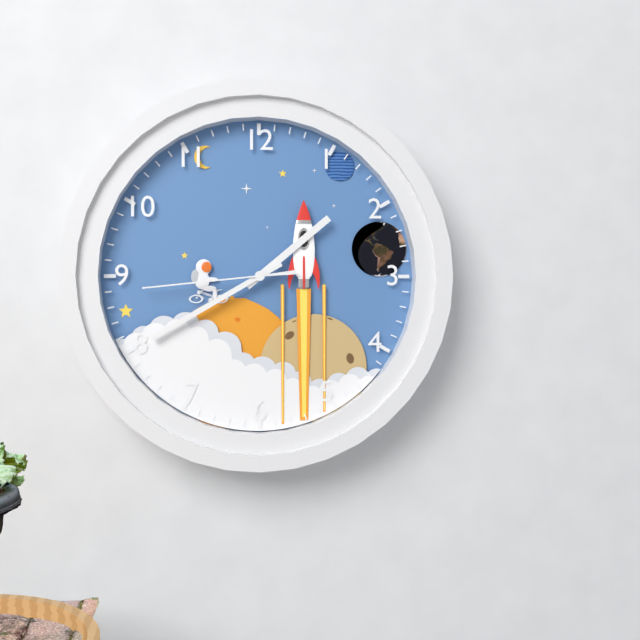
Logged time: 1 h 40 min 44 s
